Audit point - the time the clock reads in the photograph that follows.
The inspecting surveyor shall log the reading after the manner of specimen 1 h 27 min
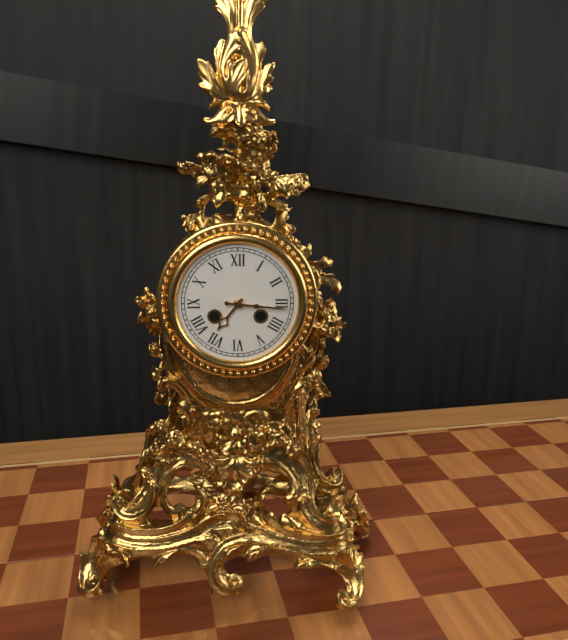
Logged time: 7 h 16 min
